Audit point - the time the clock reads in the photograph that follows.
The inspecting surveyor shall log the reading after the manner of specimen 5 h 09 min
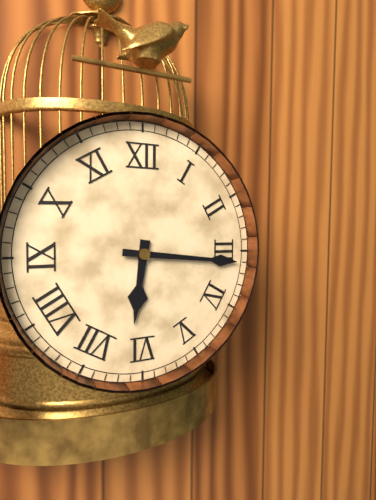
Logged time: 6 h 16 min
